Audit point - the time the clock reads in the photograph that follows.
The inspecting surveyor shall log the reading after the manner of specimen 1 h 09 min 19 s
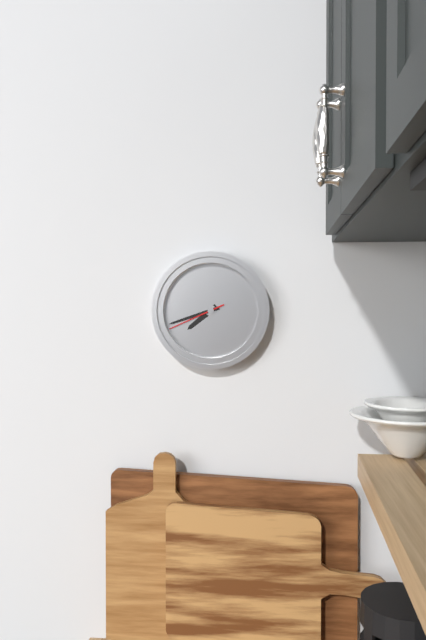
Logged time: 7 h 42 min 41 s
